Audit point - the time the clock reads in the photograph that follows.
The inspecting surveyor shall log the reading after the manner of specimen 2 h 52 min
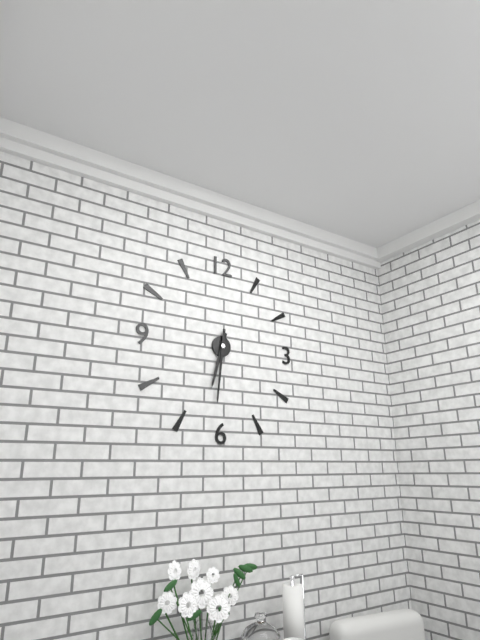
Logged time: 6 h 31 min
